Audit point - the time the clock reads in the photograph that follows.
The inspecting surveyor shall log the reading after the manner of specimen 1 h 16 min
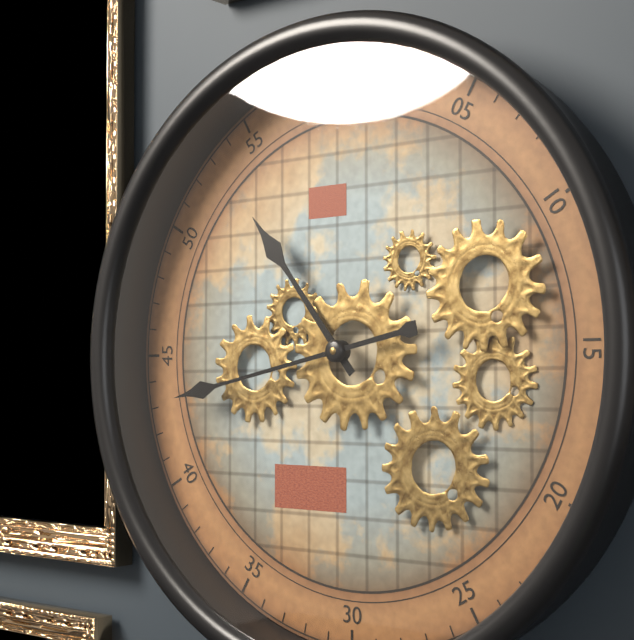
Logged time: 10 h 43 min
